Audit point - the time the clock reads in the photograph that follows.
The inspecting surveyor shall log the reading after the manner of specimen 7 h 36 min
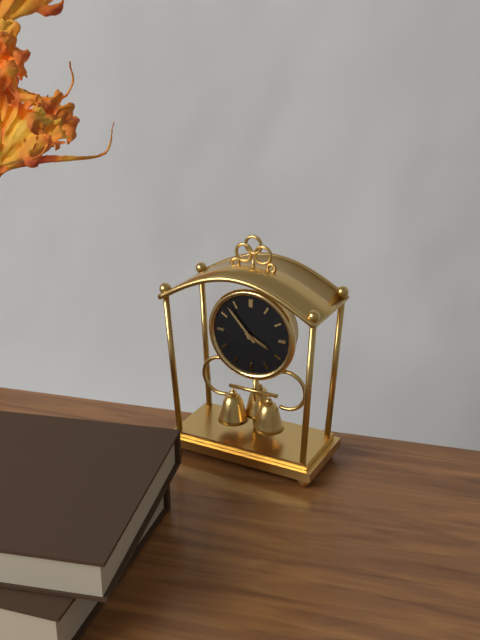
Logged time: 3 h 53 min
